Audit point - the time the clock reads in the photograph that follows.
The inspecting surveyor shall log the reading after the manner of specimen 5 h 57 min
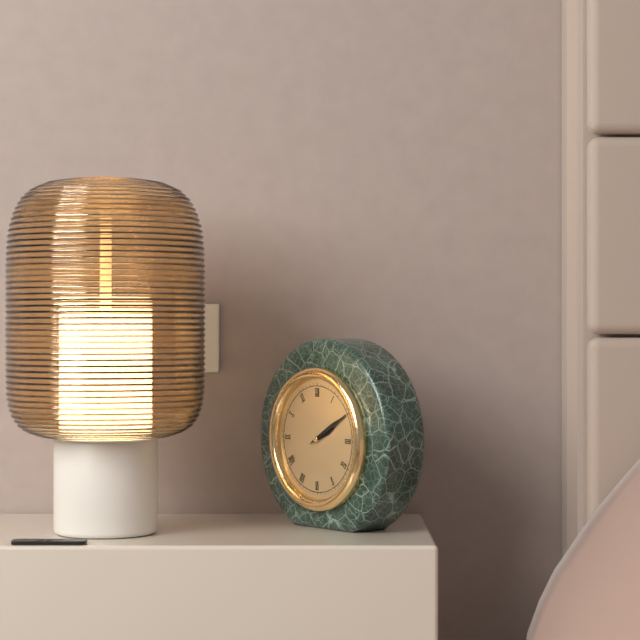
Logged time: 2 h 10 min
